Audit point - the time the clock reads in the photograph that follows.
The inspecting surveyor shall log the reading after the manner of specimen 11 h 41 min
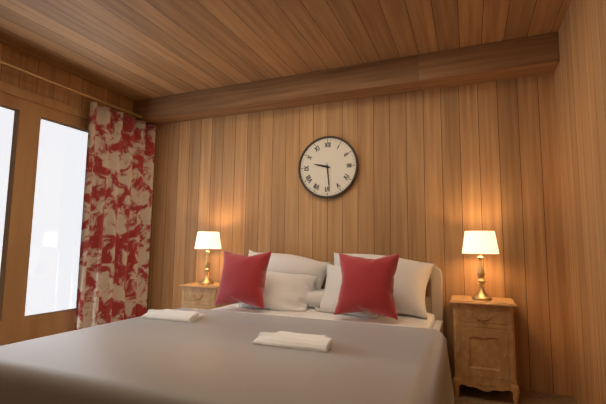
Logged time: 9 h 29 min
